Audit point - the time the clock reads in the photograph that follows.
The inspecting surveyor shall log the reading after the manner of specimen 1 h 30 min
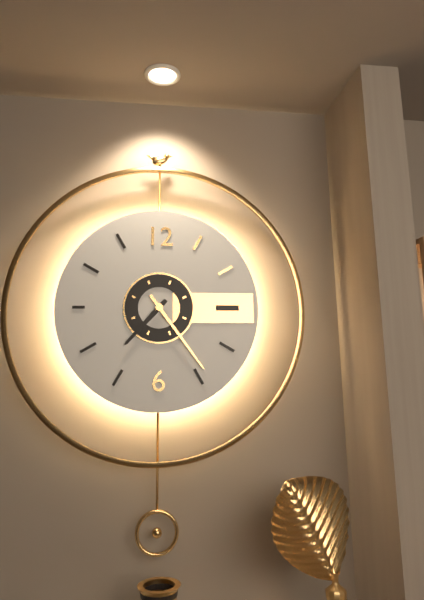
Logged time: 7 h 24 min
